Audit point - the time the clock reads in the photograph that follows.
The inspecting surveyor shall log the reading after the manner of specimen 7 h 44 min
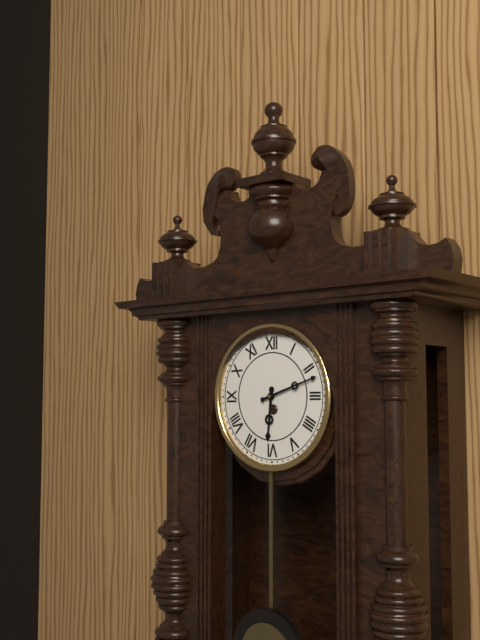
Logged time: 6 h 12 min
